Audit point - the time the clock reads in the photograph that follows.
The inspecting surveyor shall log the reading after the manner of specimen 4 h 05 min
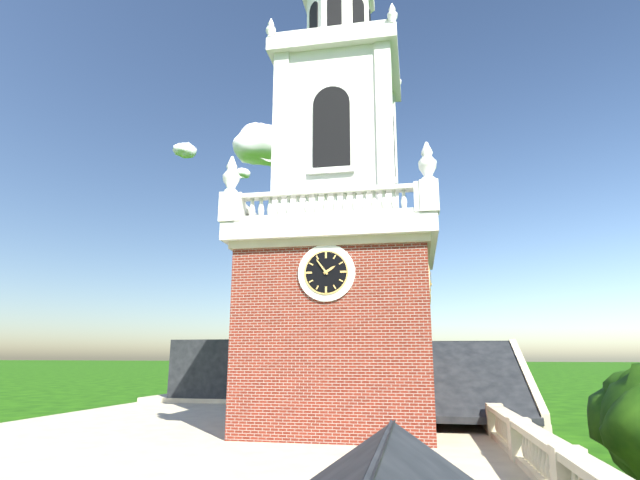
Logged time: 1 h 54 min
